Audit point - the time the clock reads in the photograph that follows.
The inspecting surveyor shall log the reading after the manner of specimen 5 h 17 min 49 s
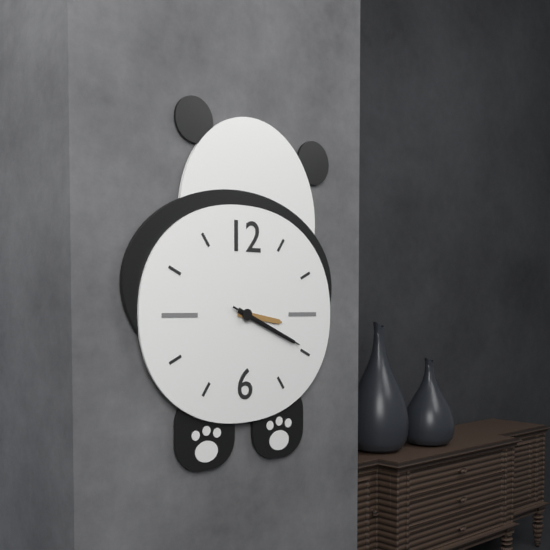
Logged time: 3 h 19 min 19 s
